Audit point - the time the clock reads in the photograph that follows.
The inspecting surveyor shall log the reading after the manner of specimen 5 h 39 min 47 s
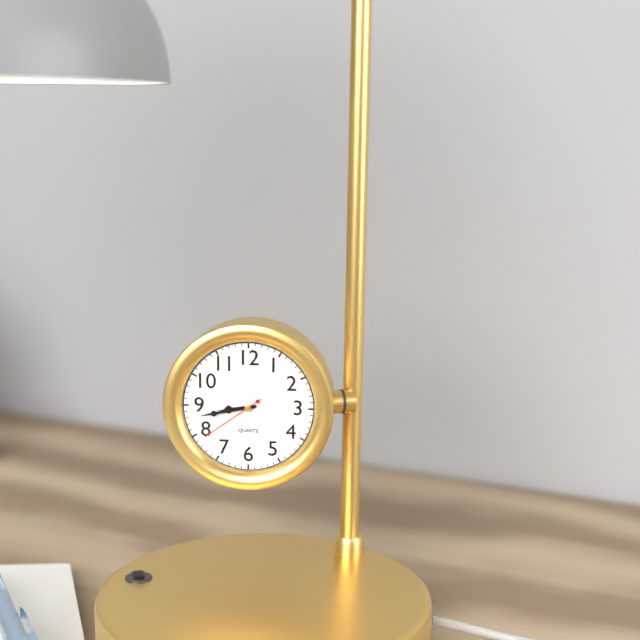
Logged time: 8 h 43 min 39 s
